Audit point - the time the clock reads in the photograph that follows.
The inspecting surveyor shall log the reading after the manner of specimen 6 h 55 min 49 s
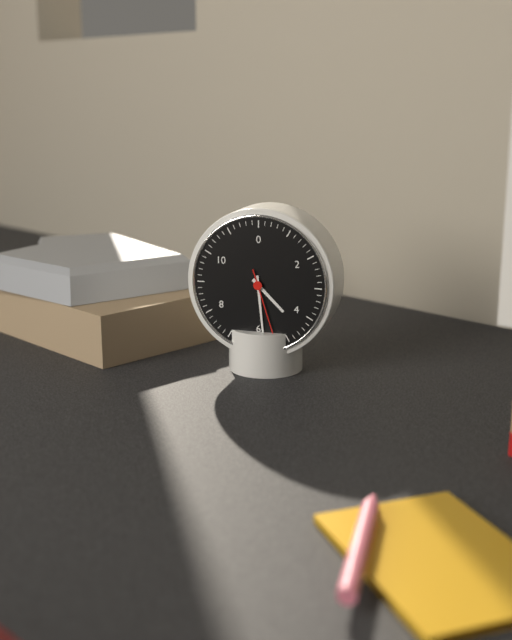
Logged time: 4 h 29 min 27 s
